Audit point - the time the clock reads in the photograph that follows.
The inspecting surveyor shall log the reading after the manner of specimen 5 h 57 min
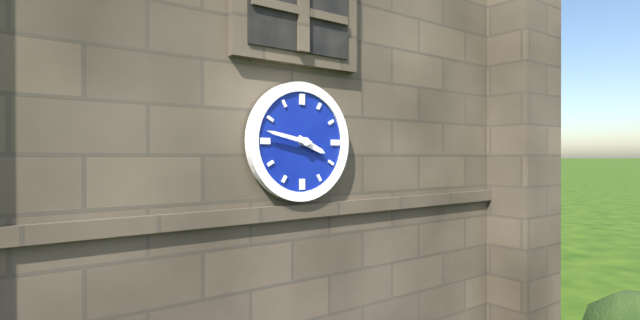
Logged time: 3 h 47 min
